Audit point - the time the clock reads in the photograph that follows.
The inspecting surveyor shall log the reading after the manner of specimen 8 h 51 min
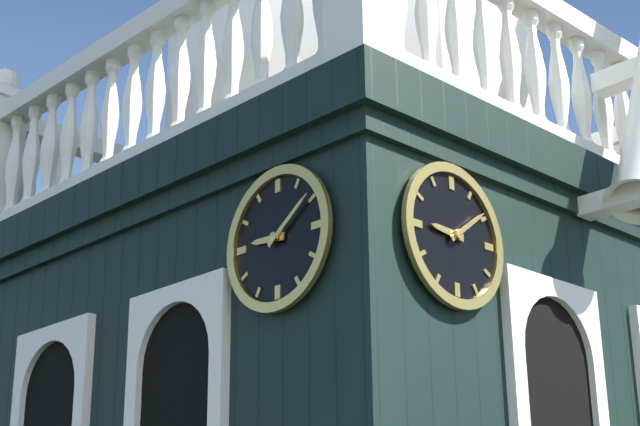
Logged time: 9 h 09 min
